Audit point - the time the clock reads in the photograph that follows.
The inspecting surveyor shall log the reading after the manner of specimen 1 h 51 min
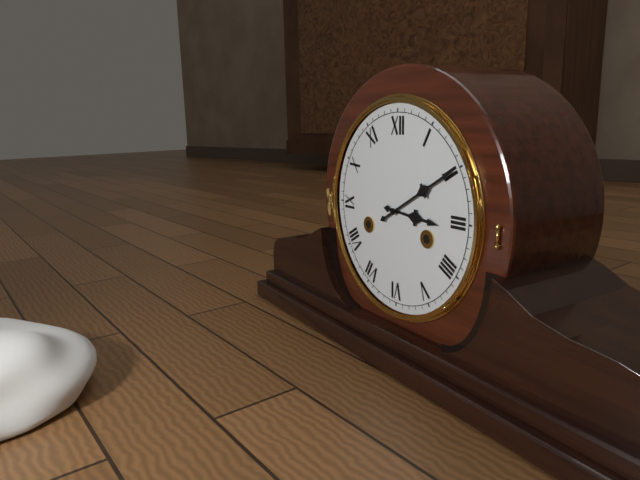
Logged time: 3 h 10 min
